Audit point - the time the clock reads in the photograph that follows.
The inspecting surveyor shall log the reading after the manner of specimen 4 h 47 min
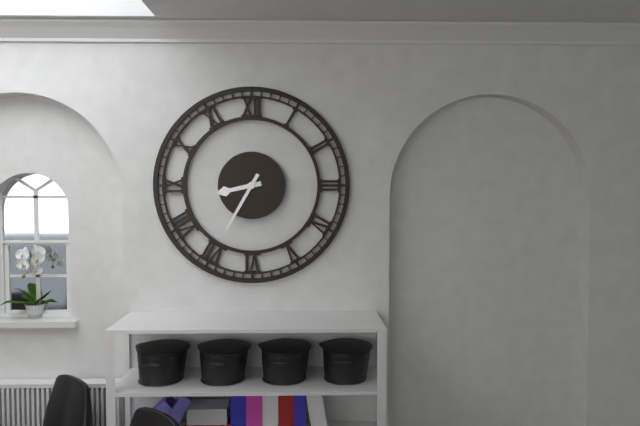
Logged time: 8 h 35 min
